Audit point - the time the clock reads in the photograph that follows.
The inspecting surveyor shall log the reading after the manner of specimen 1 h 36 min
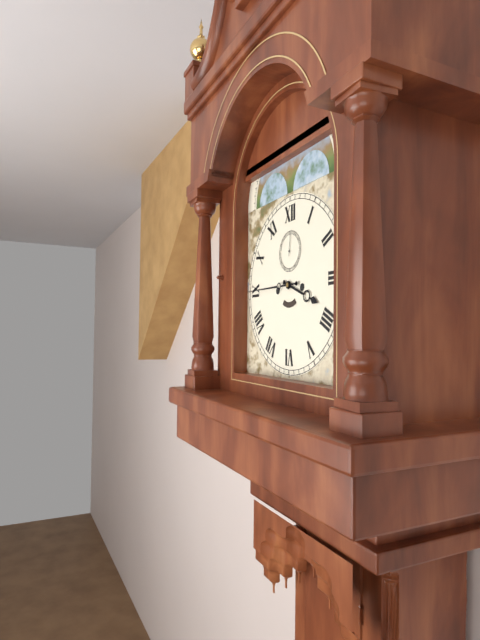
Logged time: 3 h 45 min
